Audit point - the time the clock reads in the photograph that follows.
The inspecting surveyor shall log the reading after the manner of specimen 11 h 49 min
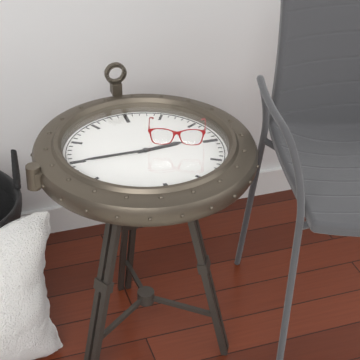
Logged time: 2 h 45 min
